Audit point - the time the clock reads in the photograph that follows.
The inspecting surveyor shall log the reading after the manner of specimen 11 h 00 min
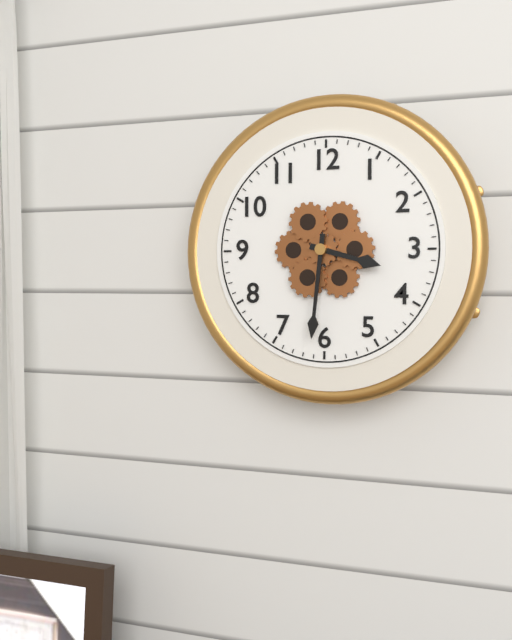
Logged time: 3 h 31 min
